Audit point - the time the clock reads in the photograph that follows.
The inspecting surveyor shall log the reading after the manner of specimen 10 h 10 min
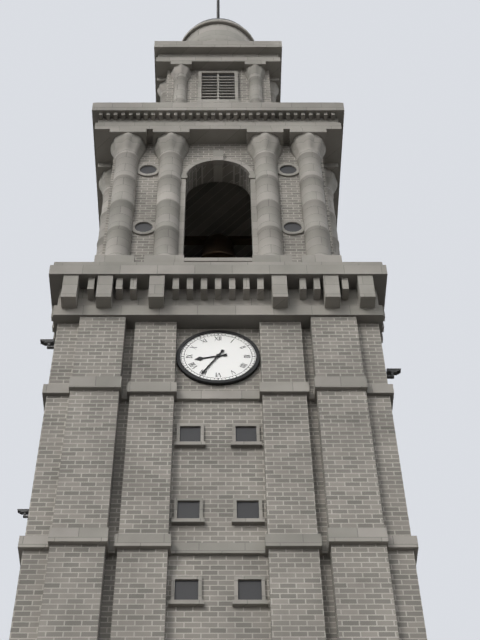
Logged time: 8 h 35 min
